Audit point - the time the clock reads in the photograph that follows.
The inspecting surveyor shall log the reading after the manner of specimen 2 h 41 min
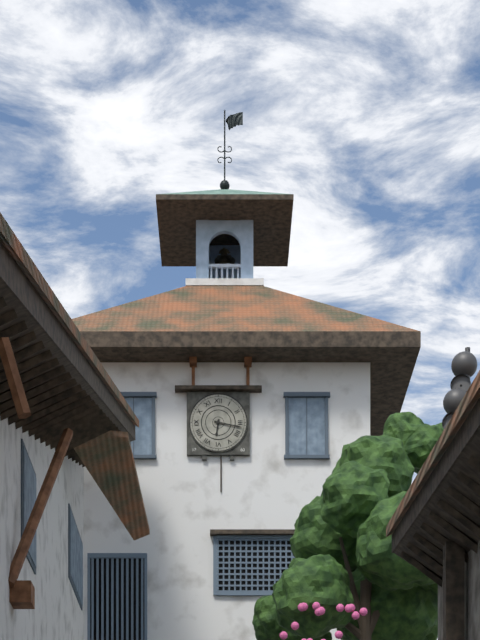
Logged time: 6 h 17 min
